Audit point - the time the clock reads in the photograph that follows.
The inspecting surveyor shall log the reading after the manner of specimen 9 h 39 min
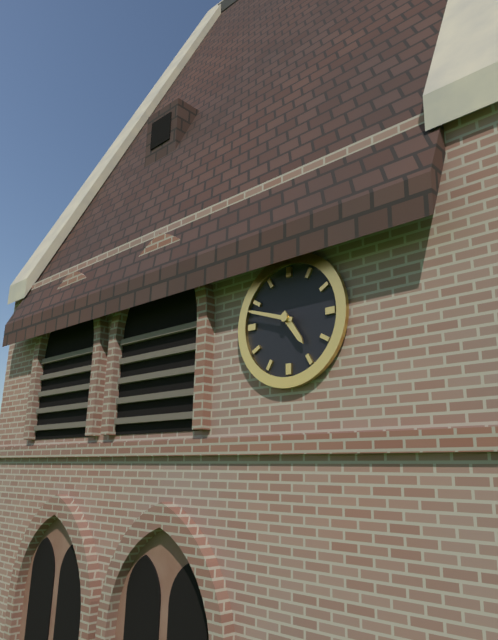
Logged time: 4 h 48 min
